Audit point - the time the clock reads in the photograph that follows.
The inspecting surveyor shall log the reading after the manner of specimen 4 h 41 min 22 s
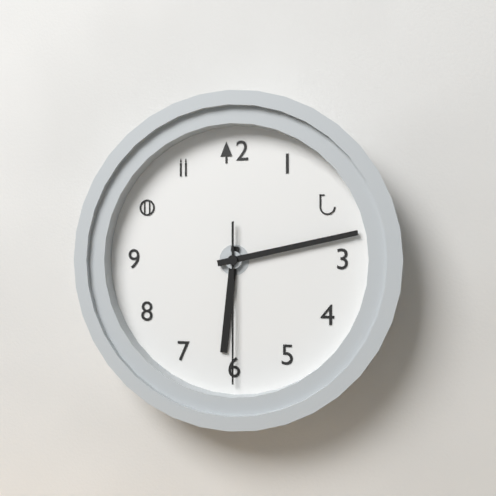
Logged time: 6 h 13 min 30 s
